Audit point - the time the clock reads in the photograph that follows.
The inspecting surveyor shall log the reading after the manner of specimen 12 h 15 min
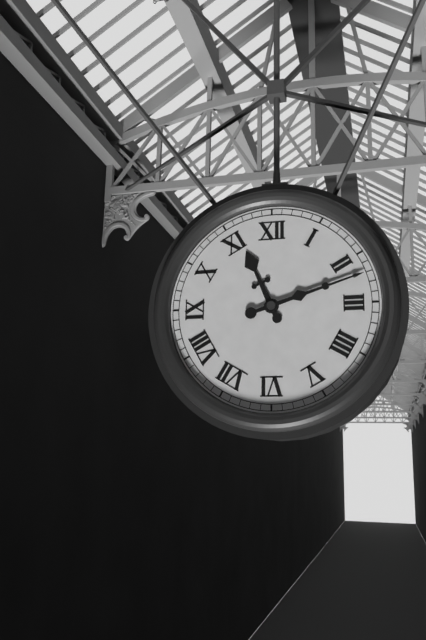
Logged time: 11 h 12 min
